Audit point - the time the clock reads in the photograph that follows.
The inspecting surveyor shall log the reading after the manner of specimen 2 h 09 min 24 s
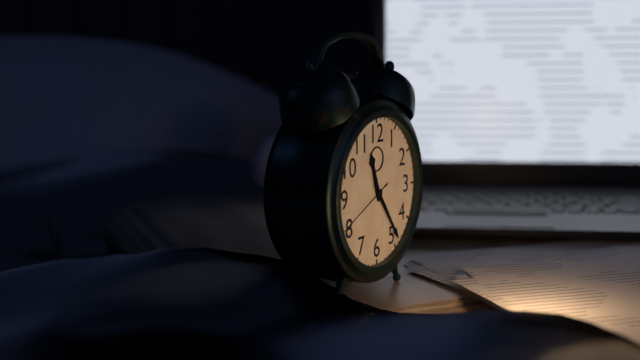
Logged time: 11 h 24 min 41 s
